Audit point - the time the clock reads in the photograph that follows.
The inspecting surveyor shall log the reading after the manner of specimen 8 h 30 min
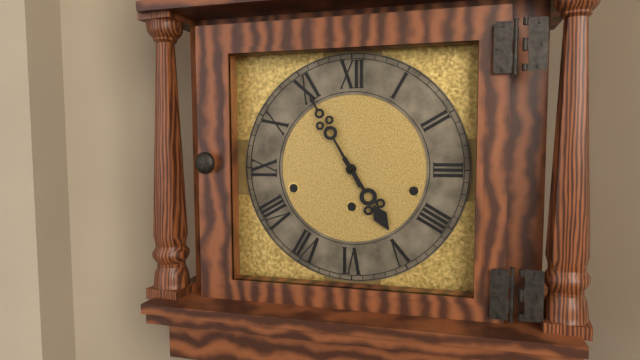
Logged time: 4 h 55 min
